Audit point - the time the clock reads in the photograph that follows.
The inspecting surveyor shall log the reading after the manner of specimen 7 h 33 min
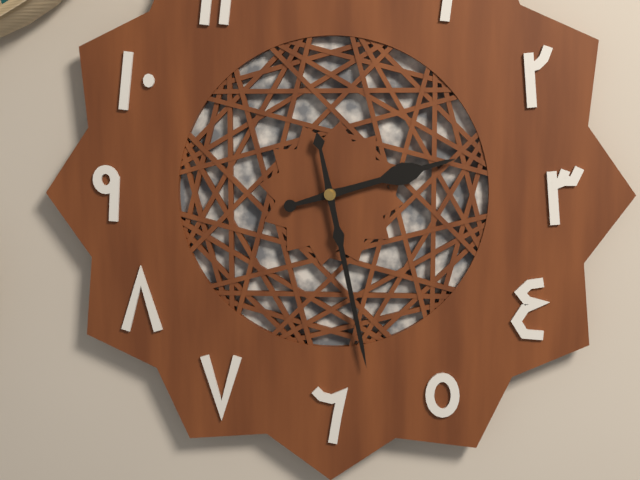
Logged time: 2 h 28 min
